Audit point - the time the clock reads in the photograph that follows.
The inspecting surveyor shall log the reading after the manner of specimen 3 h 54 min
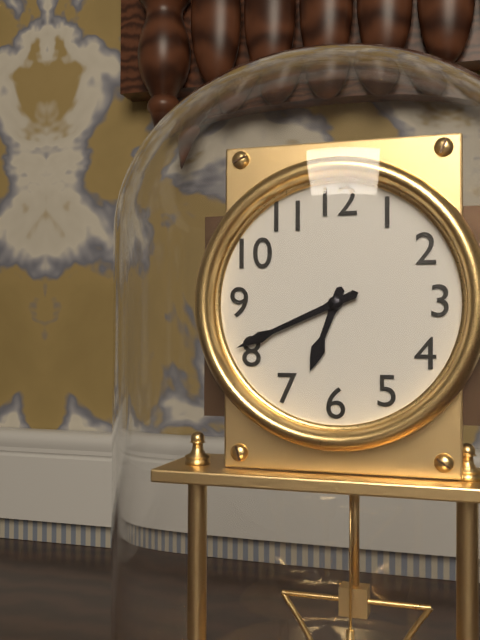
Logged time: 6 h 41 min
